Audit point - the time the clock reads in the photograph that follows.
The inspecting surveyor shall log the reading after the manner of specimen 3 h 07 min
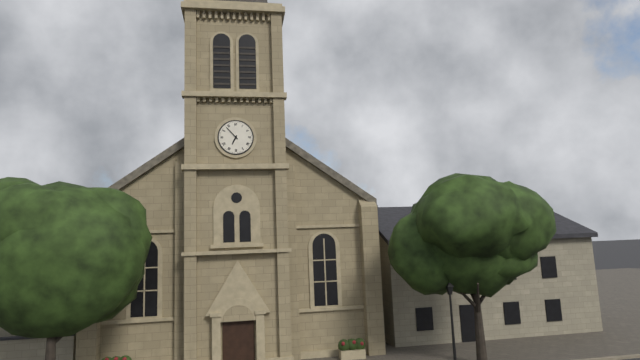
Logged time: 6 h 53 min
